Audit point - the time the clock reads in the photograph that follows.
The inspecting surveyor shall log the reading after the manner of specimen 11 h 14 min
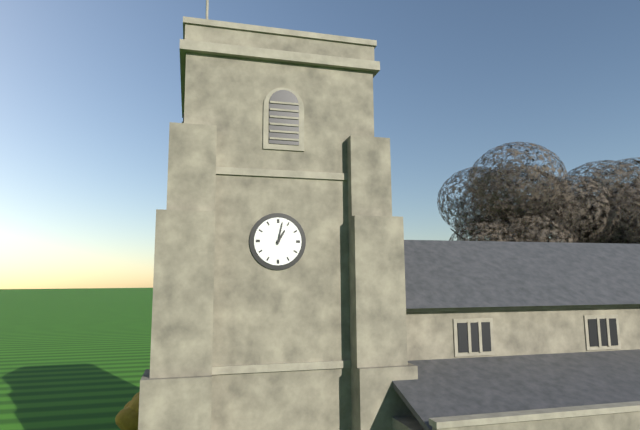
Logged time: 1 h 02 min
